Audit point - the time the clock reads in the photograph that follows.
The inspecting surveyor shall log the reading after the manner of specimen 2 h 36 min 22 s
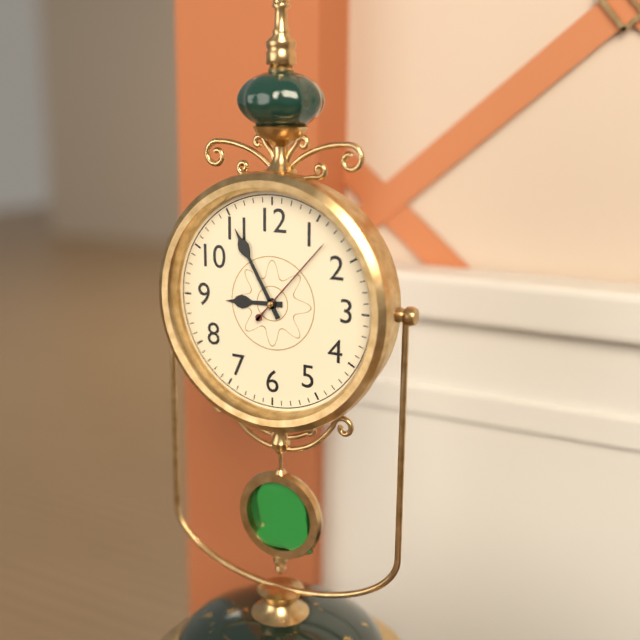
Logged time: 8 h 55 min 07 s
